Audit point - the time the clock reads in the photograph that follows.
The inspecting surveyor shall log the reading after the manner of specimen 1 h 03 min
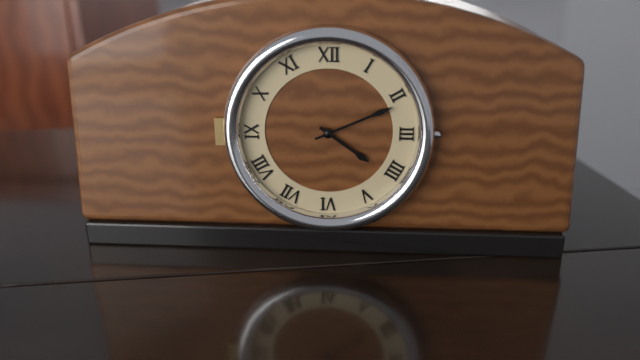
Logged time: 4 h 11 min
